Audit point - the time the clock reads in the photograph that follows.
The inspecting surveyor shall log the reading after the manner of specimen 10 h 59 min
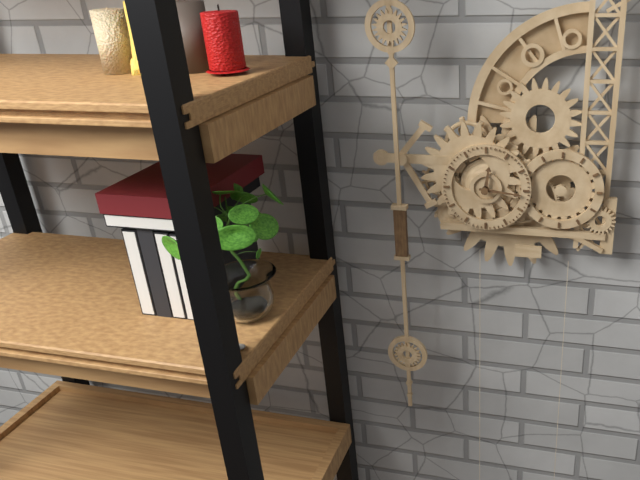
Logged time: 12 h 16 min
